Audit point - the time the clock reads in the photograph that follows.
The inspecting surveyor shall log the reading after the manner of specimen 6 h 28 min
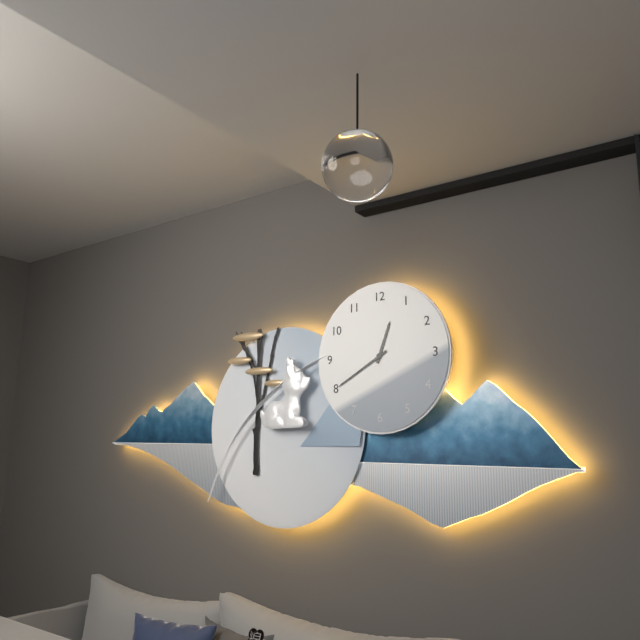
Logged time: 12 h 40 min
